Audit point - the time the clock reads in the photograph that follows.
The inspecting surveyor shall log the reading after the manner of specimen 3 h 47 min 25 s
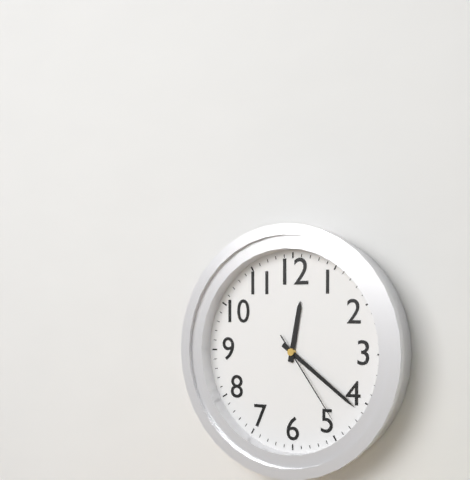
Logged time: 12 h 21 min 24 s
